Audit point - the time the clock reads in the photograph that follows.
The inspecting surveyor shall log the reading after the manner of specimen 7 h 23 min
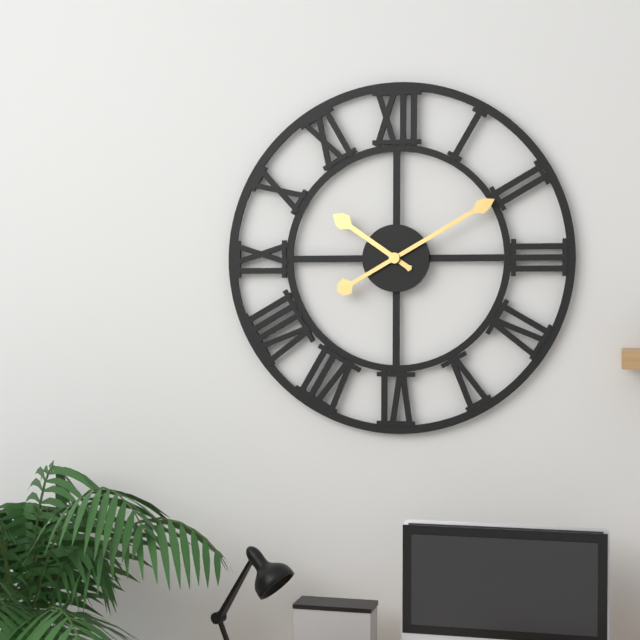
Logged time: 10 h 10 min
